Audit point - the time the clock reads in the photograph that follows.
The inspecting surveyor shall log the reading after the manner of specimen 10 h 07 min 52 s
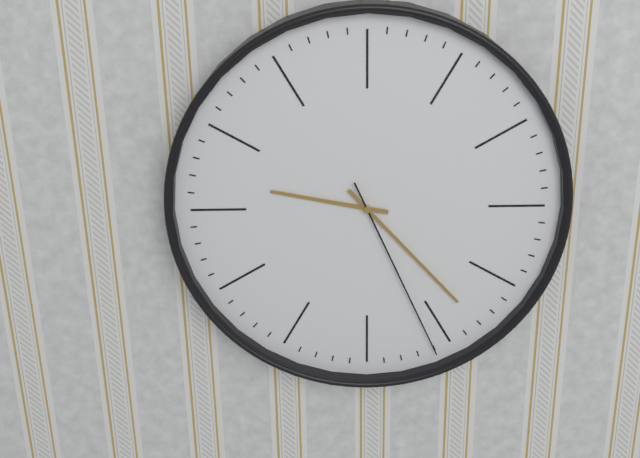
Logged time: 9 h 23 min 26 s
